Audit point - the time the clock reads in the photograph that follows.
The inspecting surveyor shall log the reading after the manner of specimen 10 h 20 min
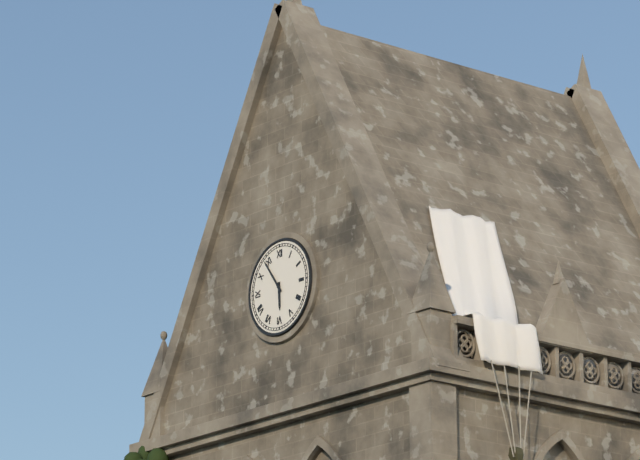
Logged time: 5 h 54 min
